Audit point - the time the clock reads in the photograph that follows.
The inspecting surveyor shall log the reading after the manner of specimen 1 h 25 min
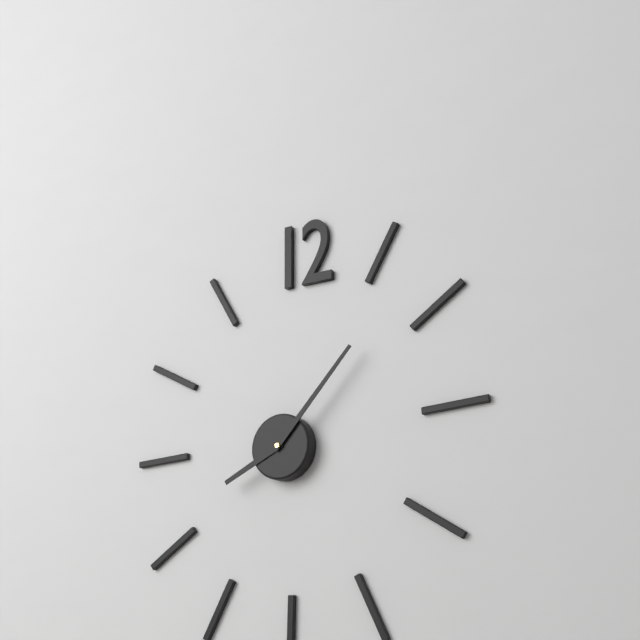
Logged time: 8 h 07 min
